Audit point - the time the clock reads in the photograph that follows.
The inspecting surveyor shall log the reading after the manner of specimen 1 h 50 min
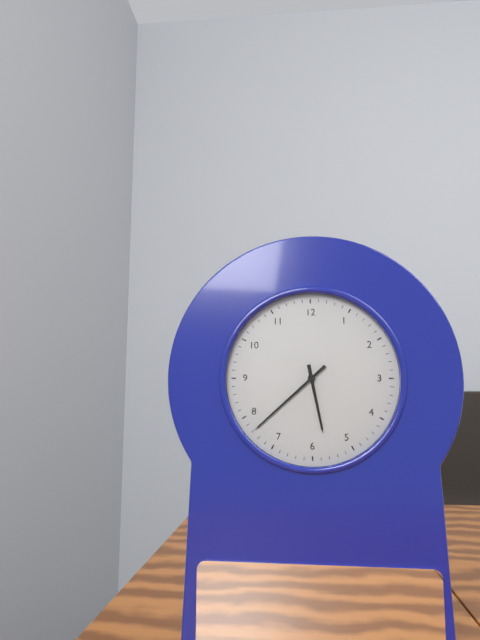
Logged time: 5 h 38 min
